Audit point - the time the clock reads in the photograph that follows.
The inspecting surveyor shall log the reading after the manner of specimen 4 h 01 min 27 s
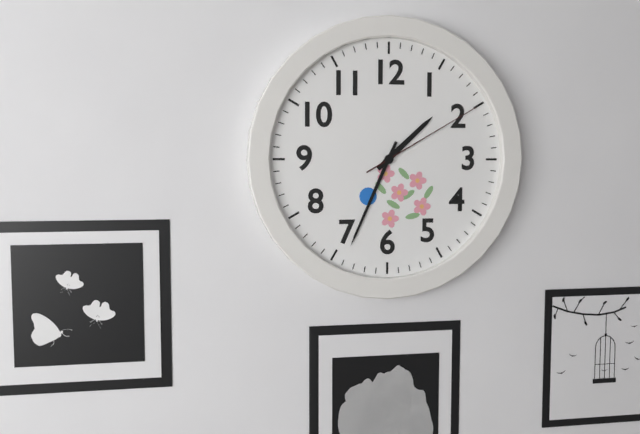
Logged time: 1 h 34 min 10 s
